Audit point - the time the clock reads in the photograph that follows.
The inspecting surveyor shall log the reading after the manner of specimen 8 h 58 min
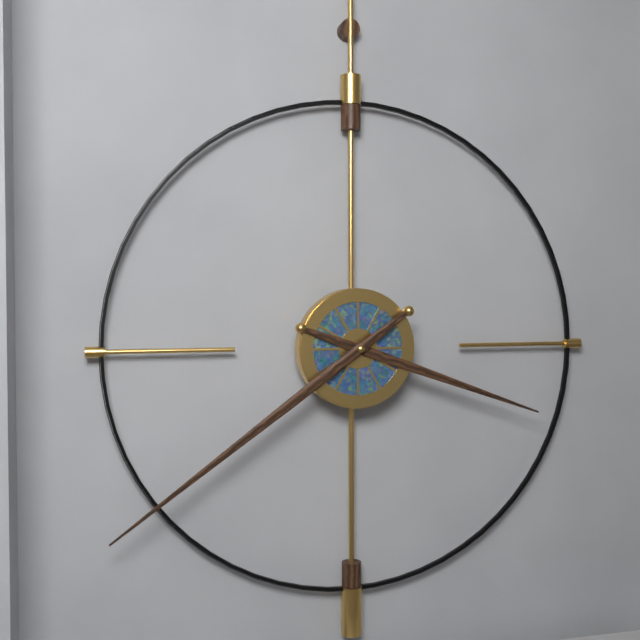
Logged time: 3 h 39 min
